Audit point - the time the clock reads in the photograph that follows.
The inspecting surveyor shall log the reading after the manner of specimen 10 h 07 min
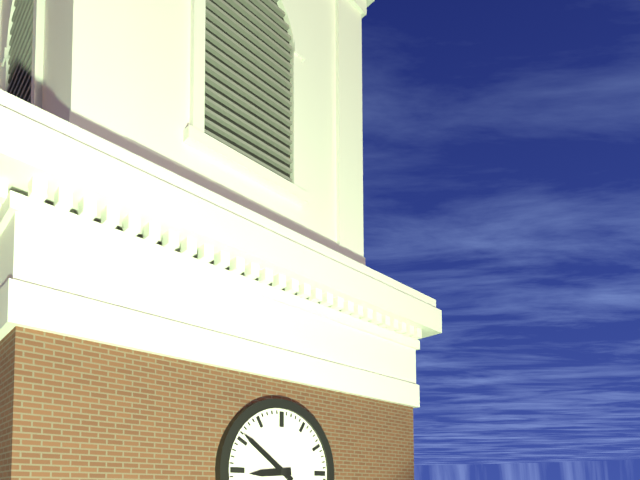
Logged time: 8 h 51 min
